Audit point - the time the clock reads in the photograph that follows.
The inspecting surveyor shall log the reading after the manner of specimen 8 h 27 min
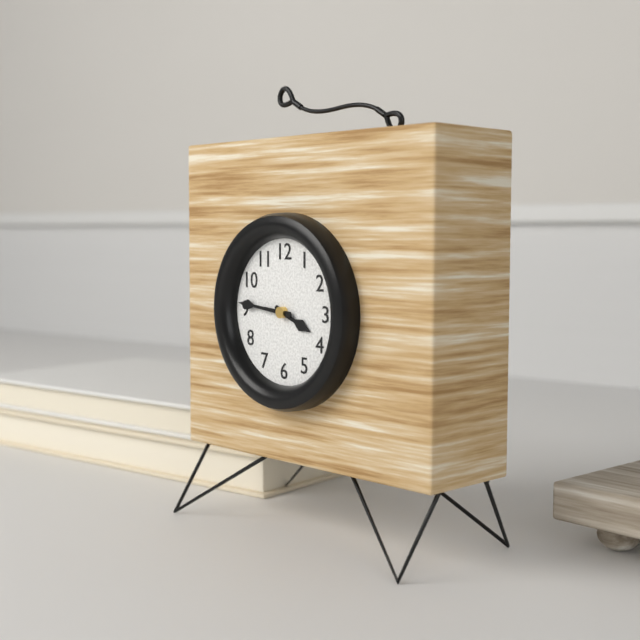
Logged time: 3 h 46 min
